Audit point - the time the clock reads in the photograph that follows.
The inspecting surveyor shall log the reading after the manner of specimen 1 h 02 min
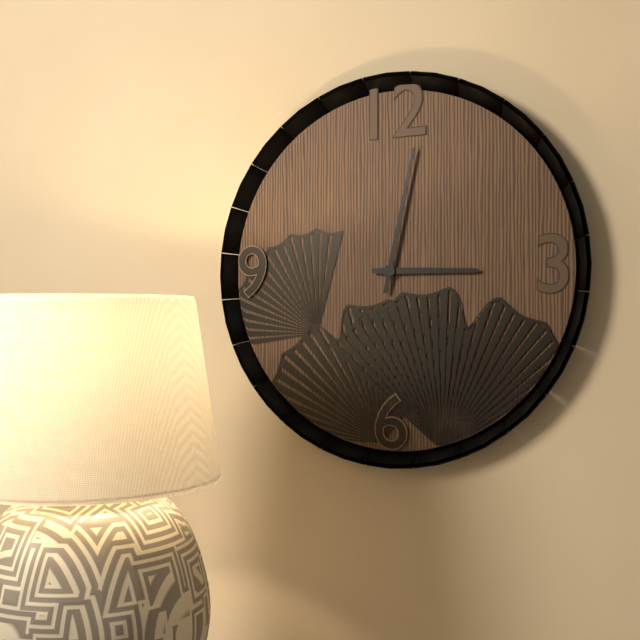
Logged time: 3 h 02 min
